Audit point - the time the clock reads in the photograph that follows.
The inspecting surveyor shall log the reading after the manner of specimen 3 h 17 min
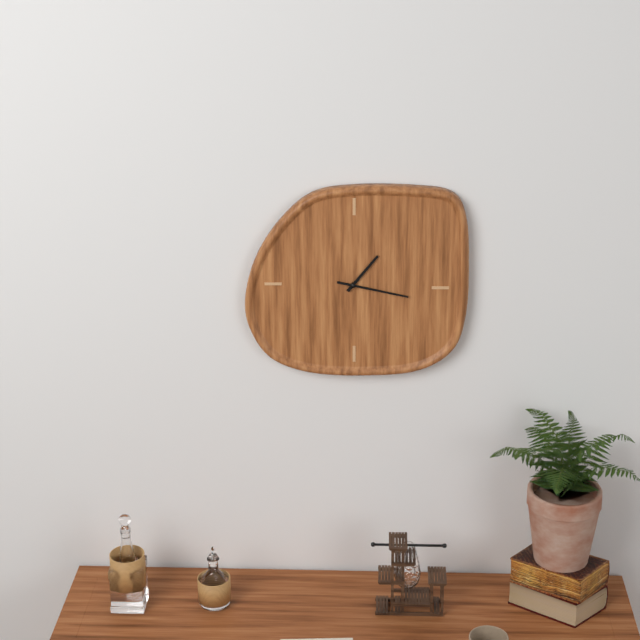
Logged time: 1 h 17 min
